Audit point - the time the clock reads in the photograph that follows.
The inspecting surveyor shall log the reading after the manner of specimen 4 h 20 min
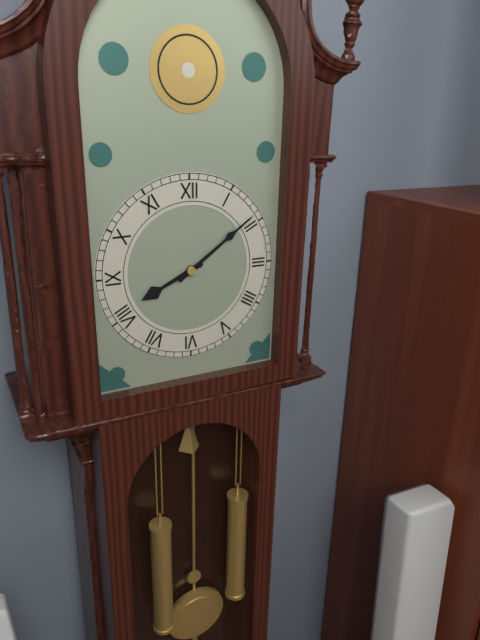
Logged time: 8 h 09 min
